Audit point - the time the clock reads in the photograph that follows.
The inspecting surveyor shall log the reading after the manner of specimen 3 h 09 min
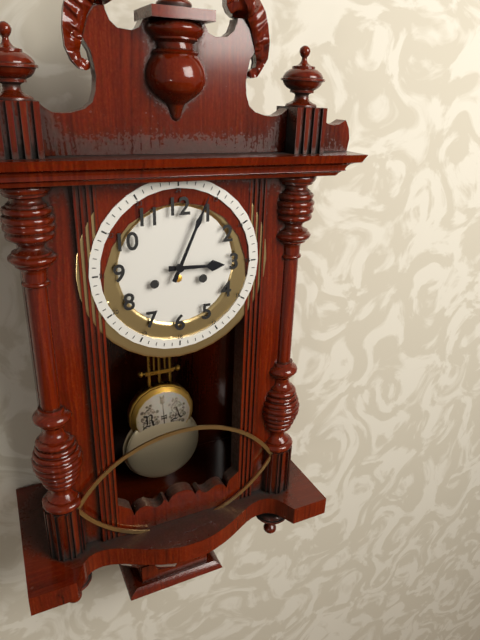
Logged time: 3 h 04 min
